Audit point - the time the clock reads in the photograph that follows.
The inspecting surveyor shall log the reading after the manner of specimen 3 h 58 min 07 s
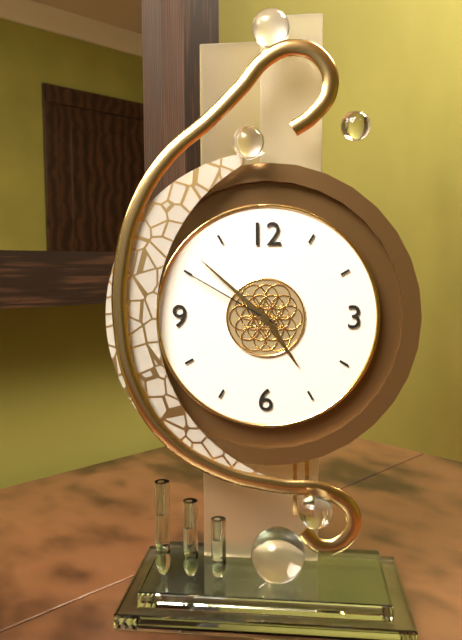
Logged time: 4 h 52 min 50 s
